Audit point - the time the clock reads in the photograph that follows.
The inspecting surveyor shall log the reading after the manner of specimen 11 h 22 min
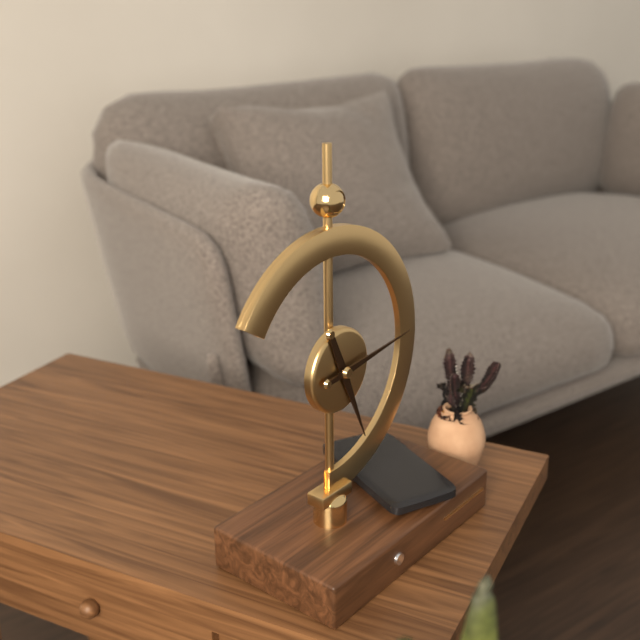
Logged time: 5 h 14 min
